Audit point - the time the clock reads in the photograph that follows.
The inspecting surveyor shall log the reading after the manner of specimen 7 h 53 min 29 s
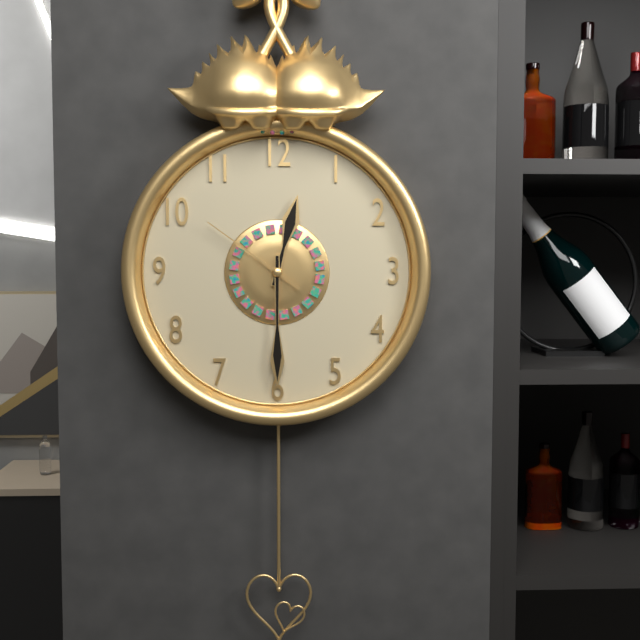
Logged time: 12 h 30 min 51 s
